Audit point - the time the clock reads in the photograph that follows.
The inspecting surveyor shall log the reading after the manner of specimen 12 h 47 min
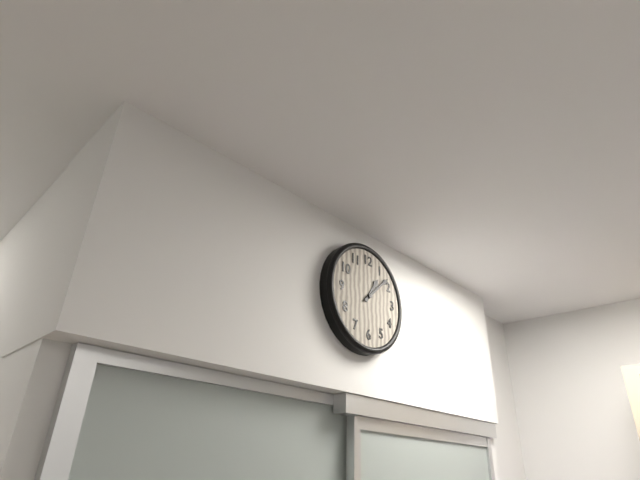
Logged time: 1 h 08 min
